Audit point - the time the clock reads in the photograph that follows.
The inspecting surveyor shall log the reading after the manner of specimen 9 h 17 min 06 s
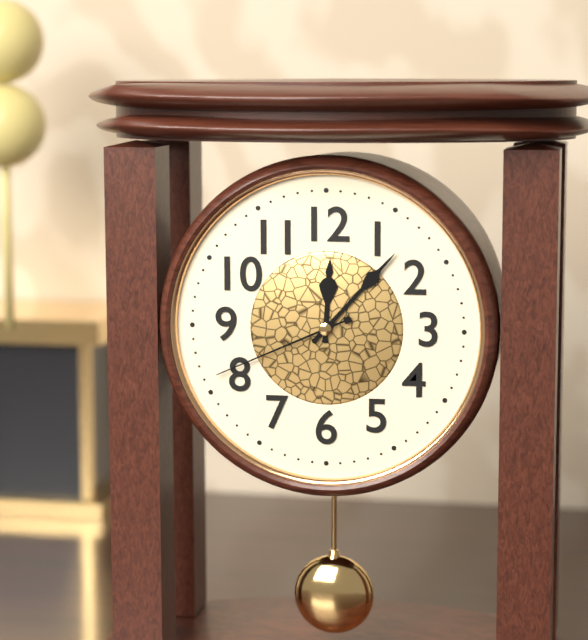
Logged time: 12 h 07 min 41 s
